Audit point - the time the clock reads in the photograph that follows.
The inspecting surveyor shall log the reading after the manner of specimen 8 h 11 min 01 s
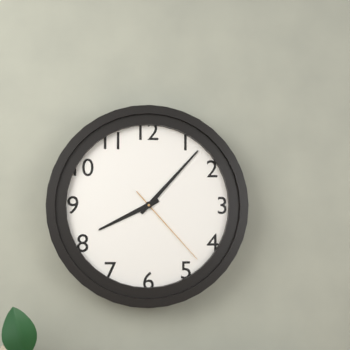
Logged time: 8 h 07 min 23 s
